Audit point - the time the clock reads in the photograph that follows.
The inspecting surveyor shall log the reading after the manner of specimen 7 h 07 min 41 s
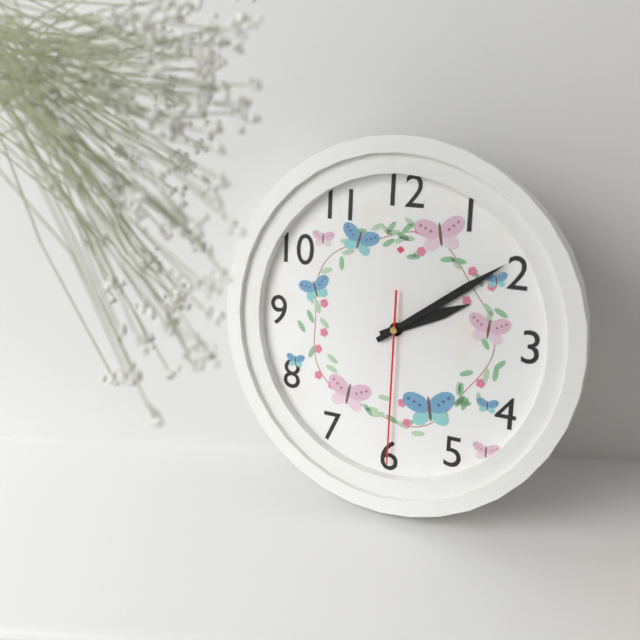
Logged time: 2 h 09 min 30 s
